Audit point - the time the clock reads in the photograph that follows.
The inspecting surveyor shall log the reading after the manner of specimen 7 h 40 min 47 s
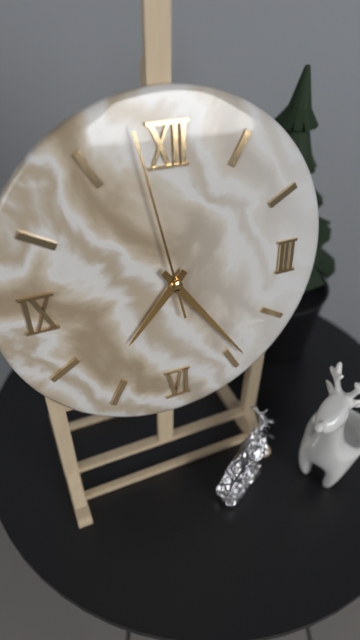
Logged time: 7 h 24 min 58 s
